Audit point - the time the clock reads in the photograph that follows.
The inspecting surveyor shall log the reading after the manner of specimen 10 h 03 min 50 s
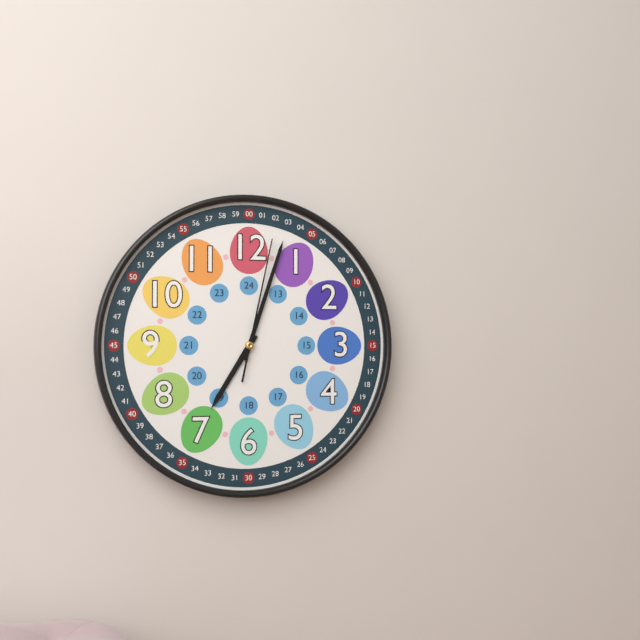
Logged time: 7 h 03 min 02 s
